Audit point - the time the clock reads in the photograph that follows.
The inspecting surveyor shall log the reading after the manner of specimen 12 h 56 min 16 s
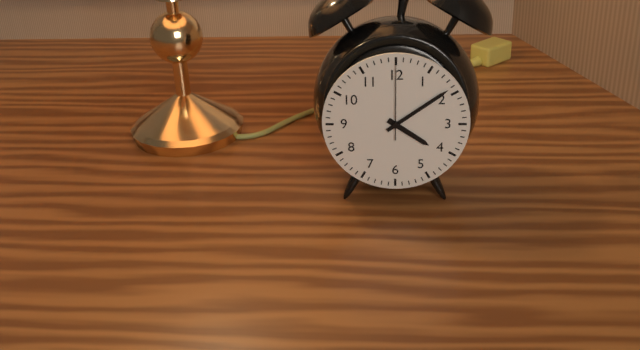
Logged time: 4 h 09 min 00 s
